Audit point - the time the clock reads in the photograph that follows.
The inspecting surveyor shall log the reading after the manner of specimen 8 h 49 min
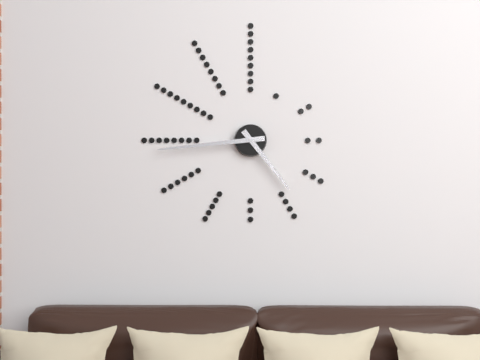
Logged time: 4 h 44 min
